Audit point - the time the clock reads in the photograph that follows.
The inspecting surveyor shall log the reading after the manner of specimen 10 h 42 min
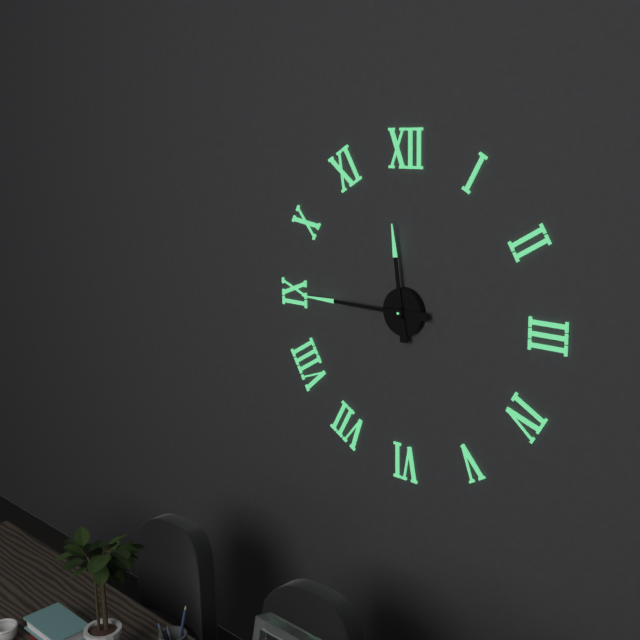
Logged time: 11 h 45 min
